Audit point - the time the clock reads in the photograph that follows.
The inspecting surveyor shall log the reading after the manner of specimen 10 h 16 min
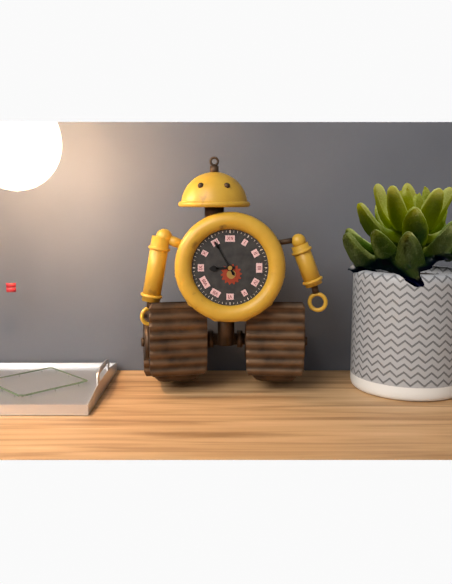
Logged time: 8 h 55 min
